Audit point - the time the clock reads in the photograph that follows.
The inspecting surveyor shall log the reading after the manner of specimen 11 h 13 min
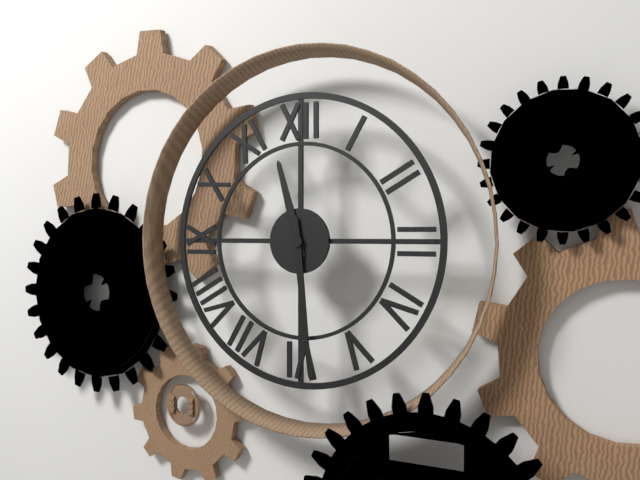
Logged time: 11 h 29 min
